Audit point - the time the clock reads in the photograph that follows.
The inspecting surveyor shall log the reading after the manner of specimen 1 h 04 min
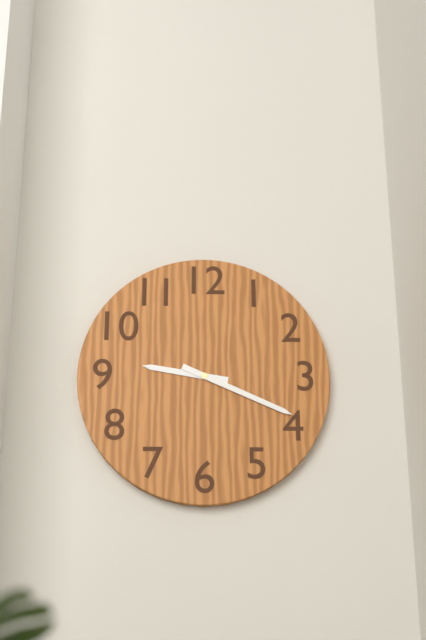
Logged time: 9 h 19 min
